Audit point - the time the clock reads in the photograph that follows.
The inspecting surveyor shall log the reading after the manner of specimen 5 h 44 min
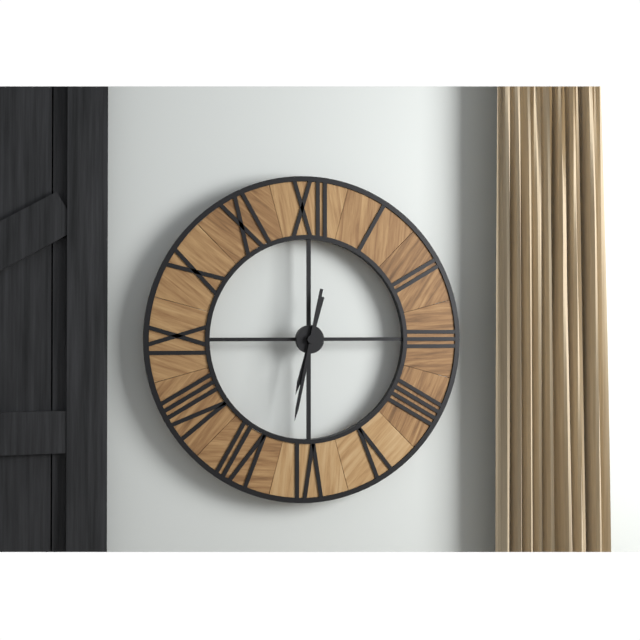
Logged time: 6 h 32 min
